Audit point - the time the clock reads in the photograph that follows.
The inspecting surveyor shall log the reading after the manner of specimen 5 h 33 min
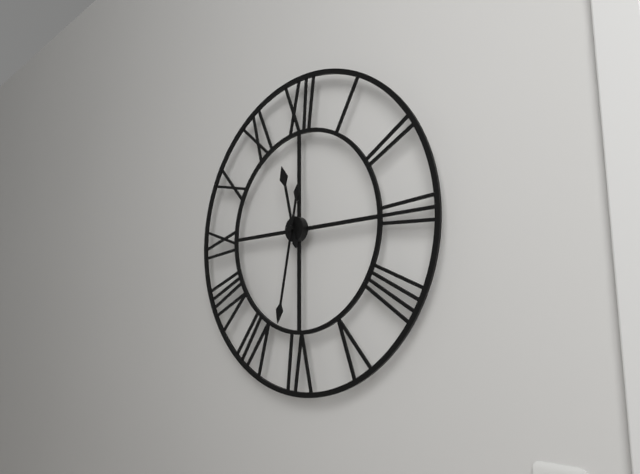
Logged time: 11 h 32 min
